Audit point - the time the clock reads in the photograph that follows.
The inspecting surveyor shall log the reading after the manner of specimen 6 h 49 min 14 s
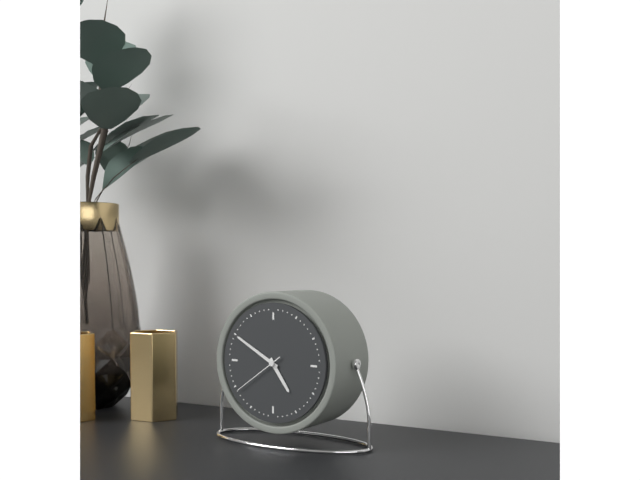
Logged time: 4 h 50 min 39 s
